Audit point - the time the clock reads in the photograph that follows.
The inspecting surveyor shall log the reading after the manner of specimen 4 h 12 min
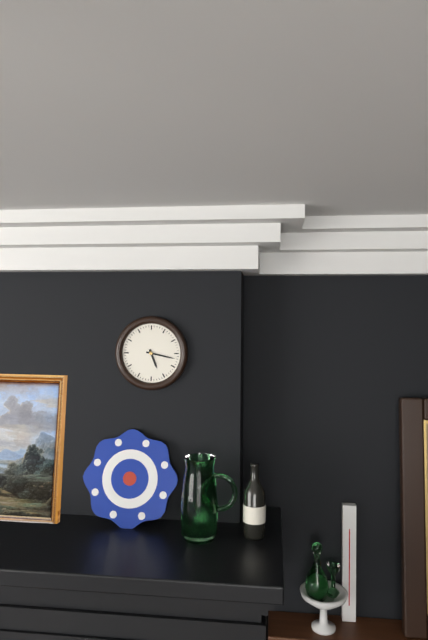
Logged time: 5 h 17 min
